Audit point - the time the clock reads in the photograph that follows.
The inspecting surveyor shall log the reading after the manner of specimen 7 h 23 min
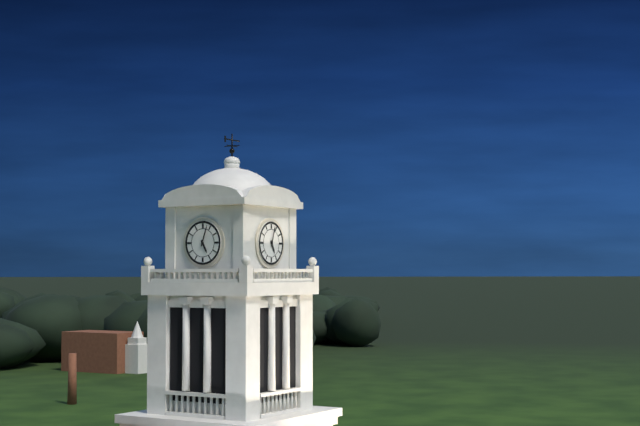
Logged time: 5 h 03 min
